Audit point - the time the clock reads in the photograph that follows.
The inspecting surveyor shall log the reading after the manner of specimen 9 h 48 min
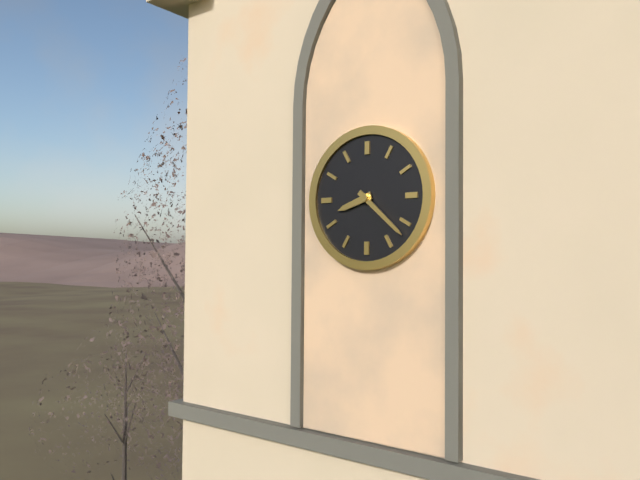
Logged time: 8 h 22 min
